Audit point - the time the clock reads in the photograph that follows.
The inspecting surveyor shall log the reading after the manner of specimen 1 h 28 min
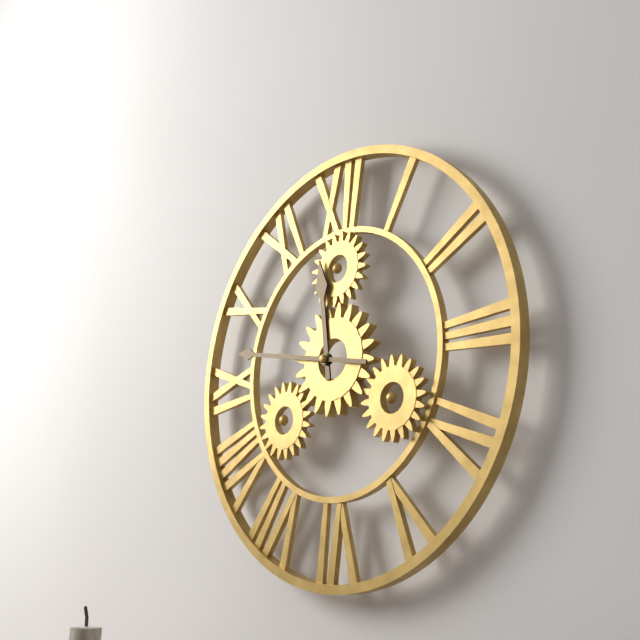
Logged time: 11 h 47 min
